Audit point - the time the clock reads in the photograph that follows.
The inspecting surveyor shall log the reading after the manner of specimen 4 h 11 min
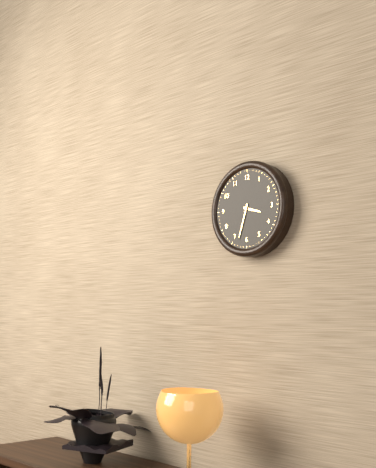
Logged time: 3 h 33 min
